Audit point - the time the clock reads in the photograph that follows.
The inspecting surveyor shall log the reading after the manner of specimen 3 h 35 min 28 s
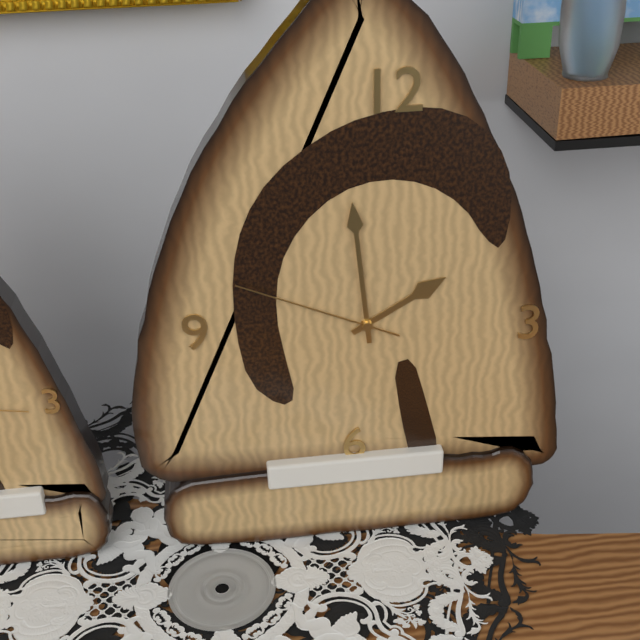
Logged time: 1 h 59 min 49 s
